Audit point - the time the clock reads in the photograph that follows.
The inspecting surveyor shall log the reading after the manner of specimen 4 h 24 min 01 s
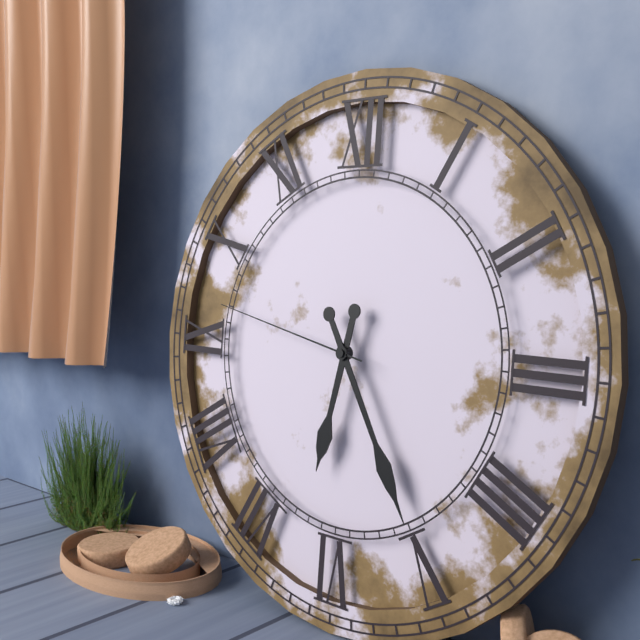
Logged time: 6 h 25 min 47 s
